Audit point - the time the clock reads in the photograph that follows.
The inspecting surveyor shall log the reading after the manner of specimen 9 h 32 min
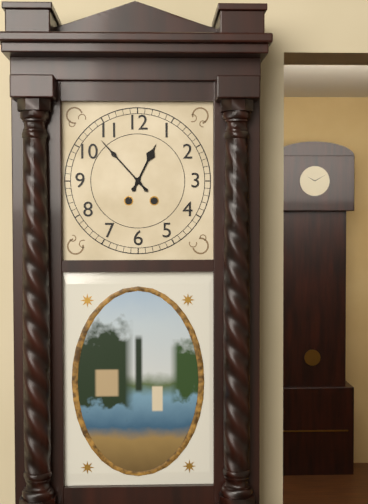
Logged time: 12 h 53 min
